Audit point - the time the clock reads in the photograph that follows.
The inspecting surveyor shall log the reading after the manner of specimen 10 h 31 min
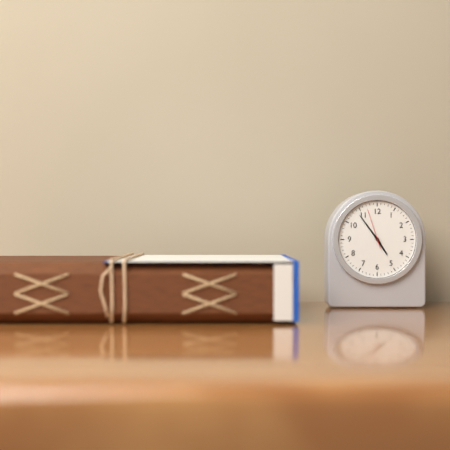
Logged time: 4 h 54 min
